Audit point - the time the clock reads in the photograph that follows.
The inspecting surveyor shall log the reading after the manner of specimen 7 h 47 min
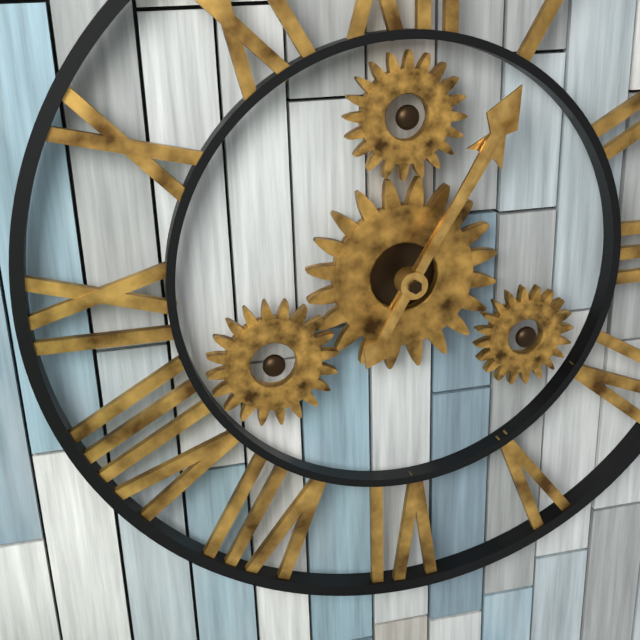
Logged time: 1 h 05 min
